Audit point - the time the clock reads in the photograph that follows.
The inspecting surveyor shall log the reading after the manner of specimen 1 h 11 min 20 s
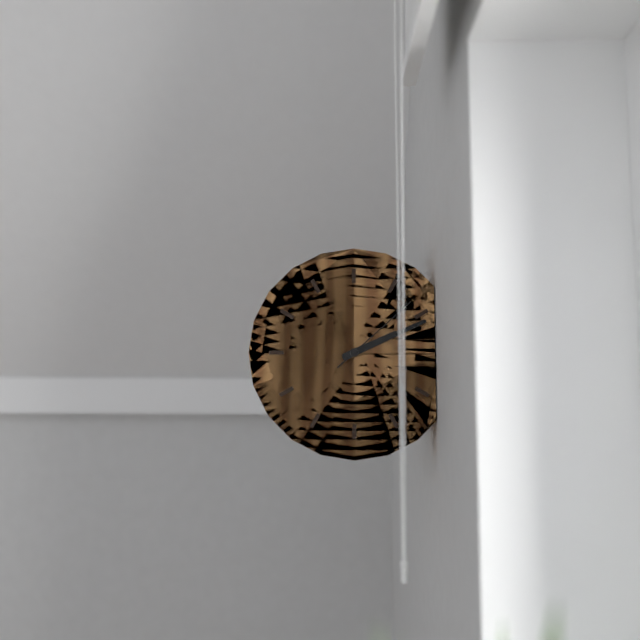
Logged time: 2 h 11 min 08 s
